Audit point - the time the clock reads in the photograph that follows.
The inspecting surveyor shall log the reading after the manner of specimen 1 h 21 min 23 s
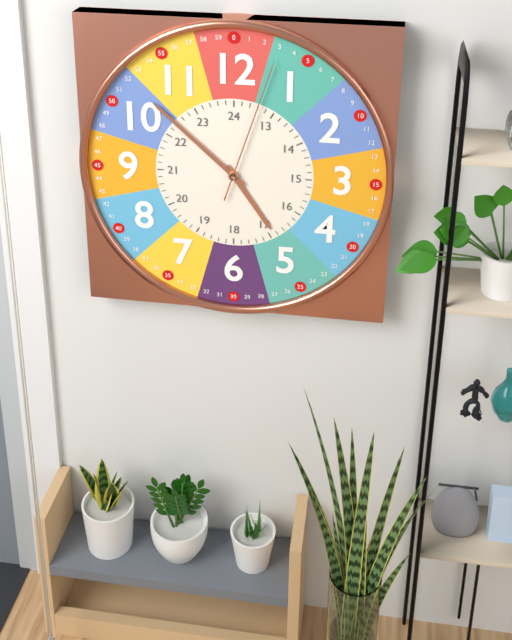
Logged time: 4 h 52 min 03 s
